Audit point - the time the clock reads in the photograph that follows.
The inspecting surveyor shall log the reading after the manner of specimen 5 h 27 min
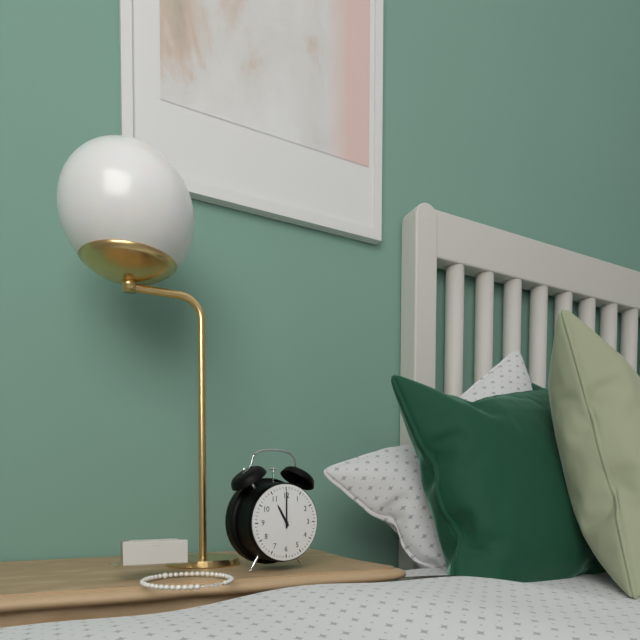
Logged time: 11 h 00 min
